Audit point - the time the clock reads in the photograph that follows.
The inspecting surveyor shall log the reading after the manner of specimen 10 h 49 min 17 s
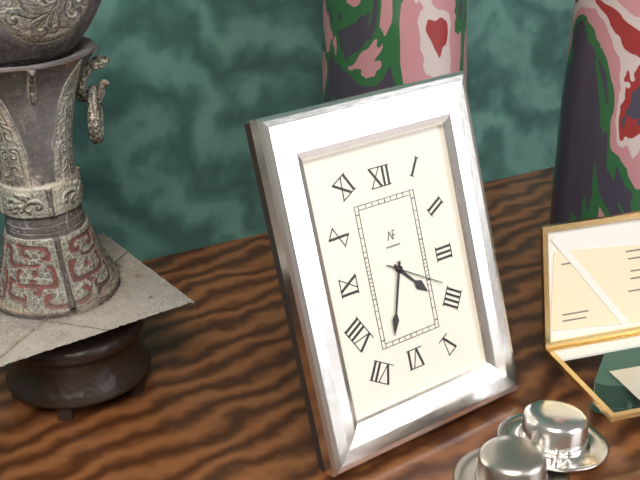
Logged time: 4 h 33 min 20 s
